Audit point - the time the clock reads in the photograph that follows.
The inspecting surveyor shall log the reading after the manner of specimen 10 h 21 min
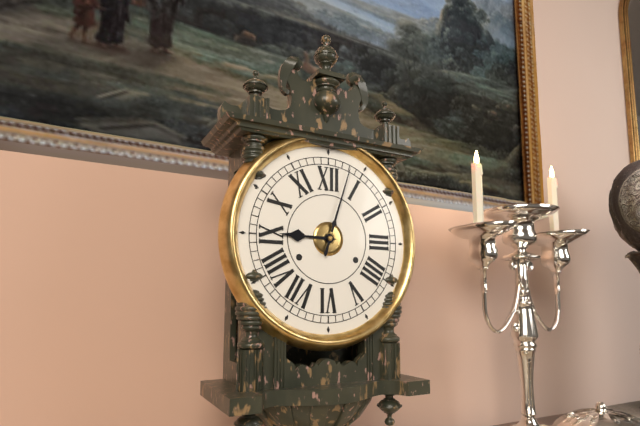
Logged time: 9 h 03 min
